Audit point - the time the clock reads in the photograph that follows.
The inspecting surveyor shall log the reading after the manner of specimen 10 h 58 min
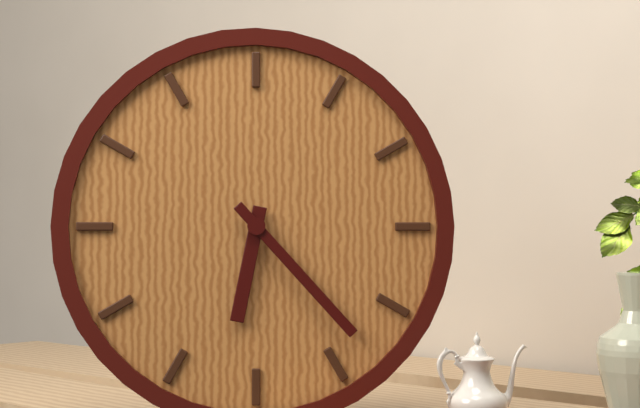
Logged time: 6 h 23 min
